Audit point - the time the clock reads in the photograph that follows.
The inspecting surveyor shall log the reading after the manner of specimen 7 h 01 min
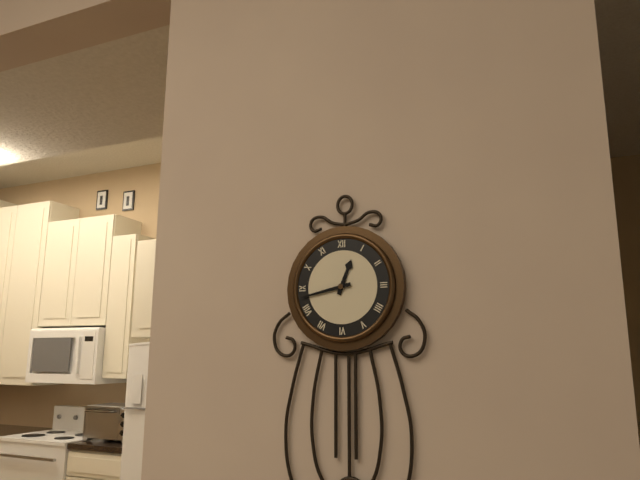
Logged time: 12 h 43 min
